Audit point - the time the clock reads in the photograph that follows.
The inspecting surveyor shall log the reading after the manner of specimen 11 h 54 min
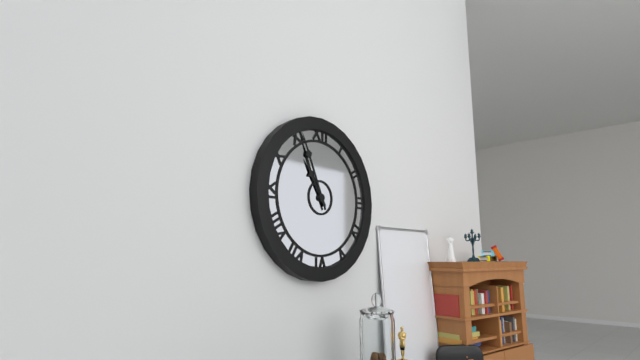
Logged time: 10 h 56 min
